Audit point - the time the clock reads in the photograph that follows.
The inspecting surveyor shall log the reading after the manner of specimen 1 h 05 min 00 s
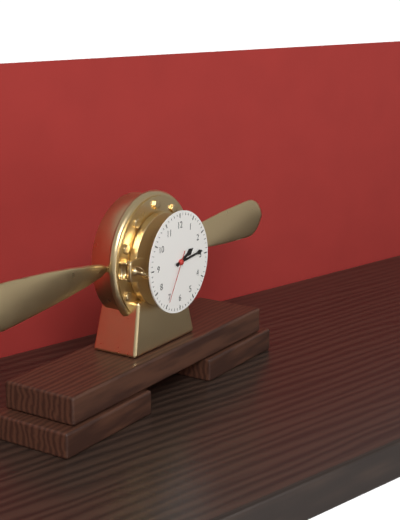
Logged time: 2 h 14 min 35 s
